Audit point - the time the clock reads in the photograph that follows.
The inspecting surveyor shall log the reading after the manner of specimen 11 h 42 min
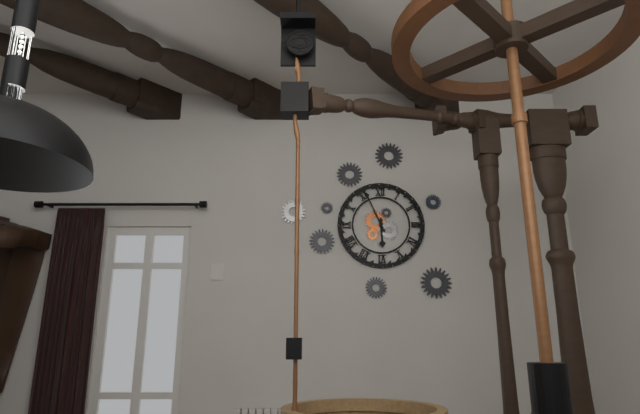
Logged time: 5 h 56 min
